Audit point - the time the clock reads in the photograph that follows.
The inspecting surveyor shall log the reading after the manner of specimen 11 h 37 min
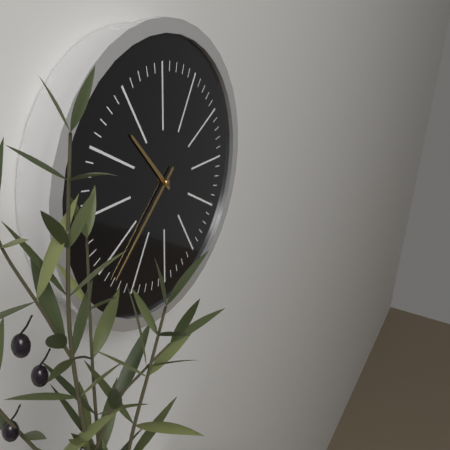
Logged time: 10 h 38 min
